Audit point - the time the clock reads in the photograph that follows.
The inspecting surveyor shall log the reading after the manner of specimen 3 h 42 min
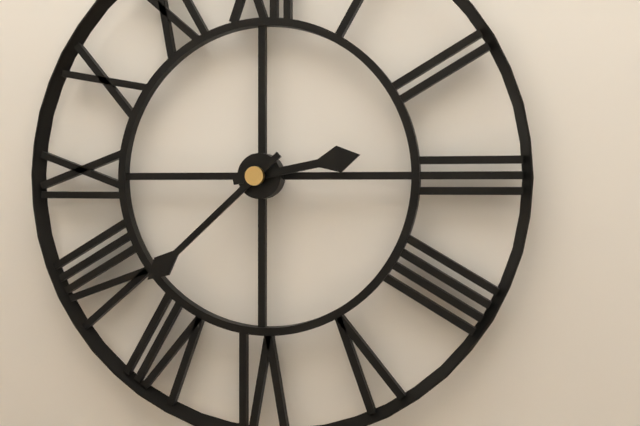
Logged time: 2 h 38 min
